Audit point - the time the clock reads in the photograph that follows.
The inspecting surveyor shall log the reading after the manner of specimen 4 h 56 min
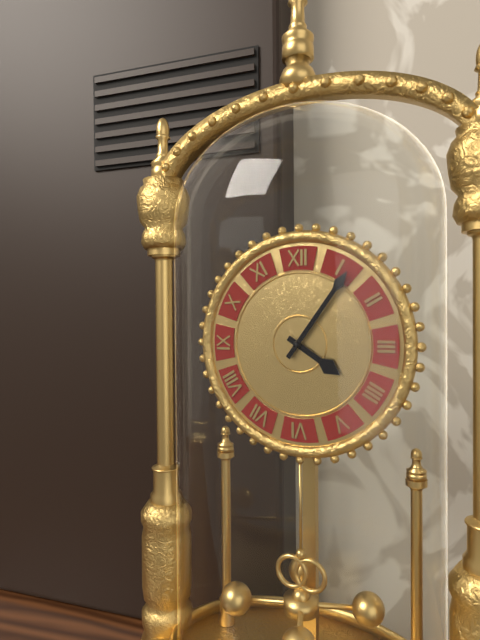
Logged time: 4 h 06 min
